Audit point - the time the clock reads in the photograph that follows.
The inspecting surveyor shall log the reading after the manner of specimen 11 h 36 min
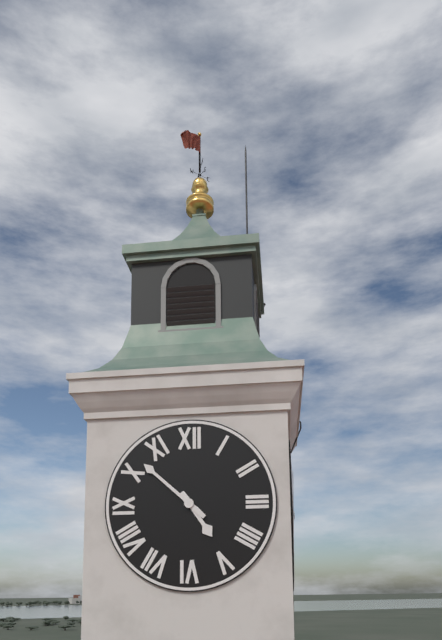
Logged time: 4 h 52 min
